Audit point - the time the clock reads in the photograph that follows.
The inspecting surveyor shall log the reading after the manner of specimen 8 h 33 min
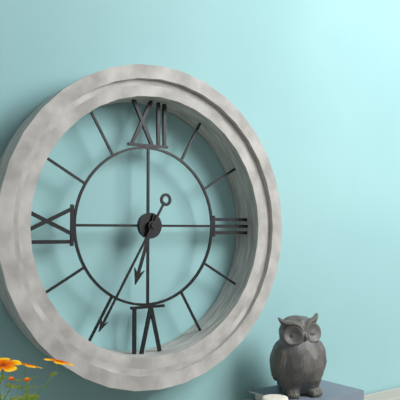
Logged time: 6 h 35 min
